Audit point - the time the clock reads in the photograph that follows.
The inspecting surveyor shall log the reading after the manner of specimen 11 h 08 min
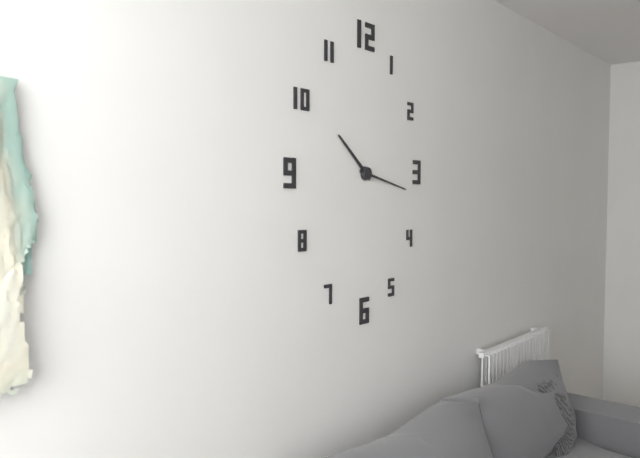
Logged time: 10 h 17 min
